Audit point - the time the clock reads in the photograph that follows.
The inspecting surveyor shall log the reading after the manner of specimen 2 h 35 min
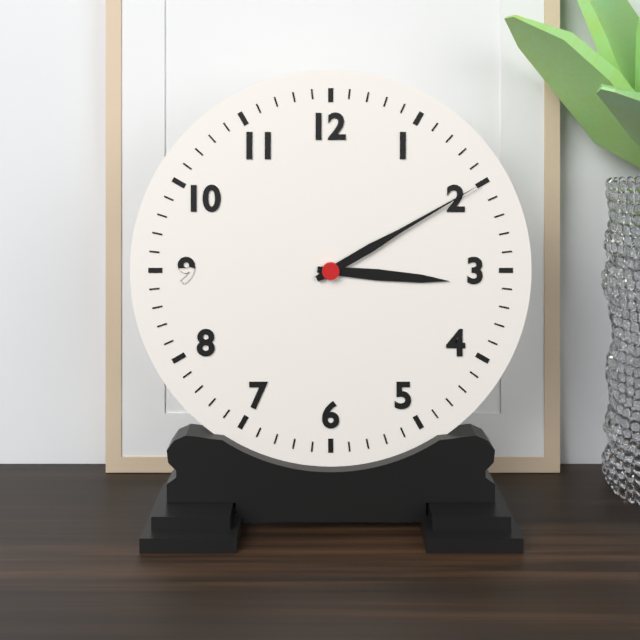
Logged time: 3 h 10 min
